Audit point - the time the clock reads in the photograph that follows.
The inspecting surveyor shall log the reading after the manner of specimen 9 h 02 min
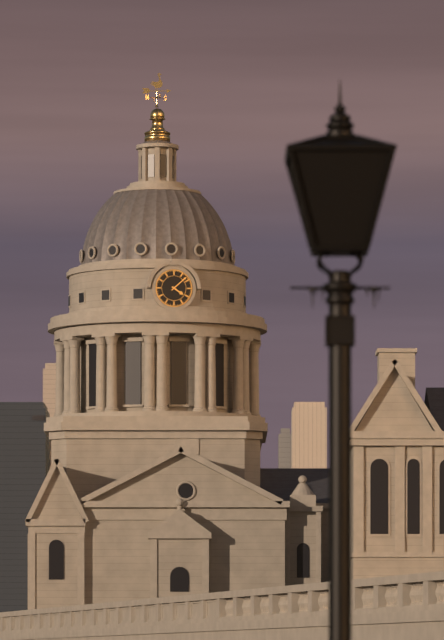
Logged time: 4 h 08 min
